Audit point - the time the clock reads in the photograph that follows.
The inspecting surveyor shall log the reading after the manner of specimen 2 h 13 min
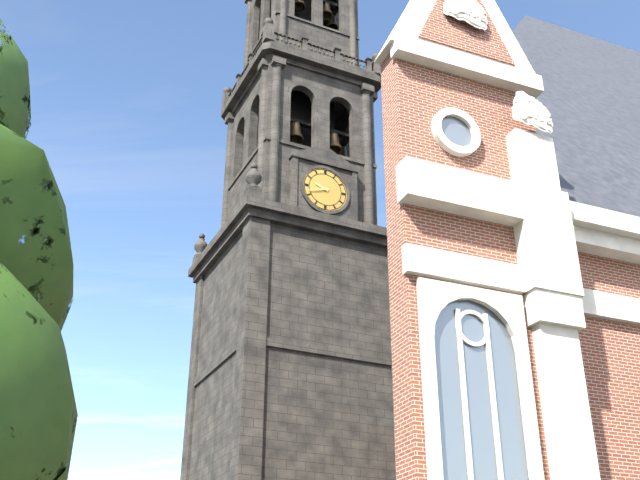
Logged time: 9 h 42 min
